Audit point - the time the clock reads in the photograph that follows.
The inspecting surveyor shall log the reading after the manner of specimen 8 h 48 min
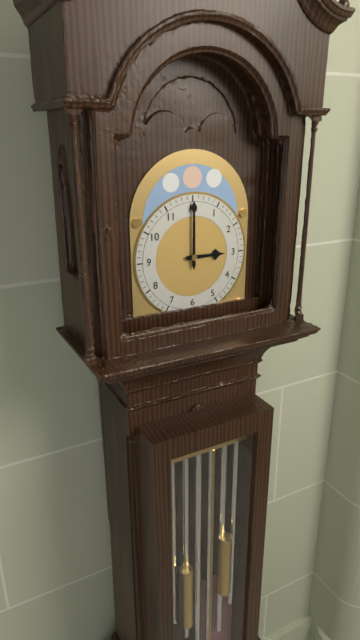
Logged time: 3 h 00 min
